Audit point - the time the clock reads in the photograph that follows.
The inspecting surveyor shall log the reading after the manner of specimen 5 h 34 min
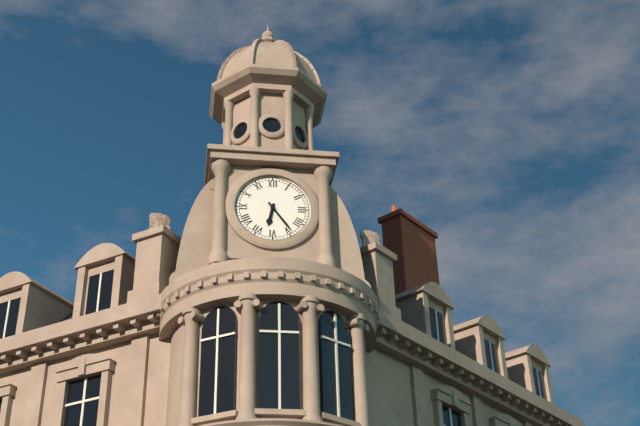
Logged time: 6 h 24 min
